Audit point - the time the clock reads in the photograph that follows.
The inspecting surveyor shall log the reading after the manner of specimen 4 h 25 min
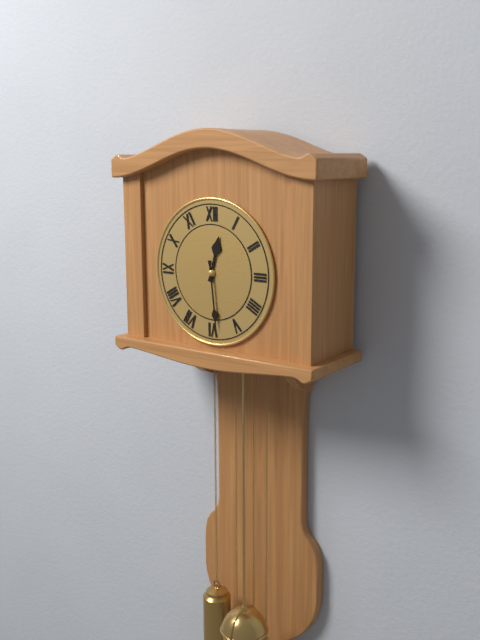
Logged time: 12 h 29 min
